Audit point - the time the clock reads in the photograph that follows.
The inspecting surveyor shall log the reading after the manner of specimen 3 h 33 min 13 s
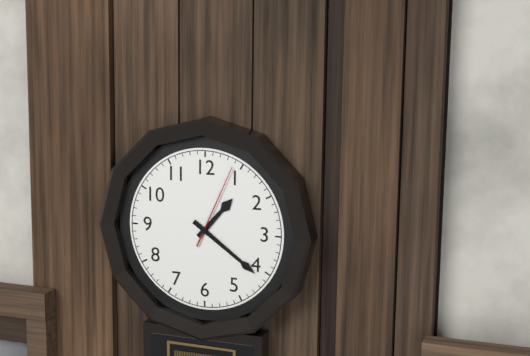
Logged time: 1 h 21 min 04 s
